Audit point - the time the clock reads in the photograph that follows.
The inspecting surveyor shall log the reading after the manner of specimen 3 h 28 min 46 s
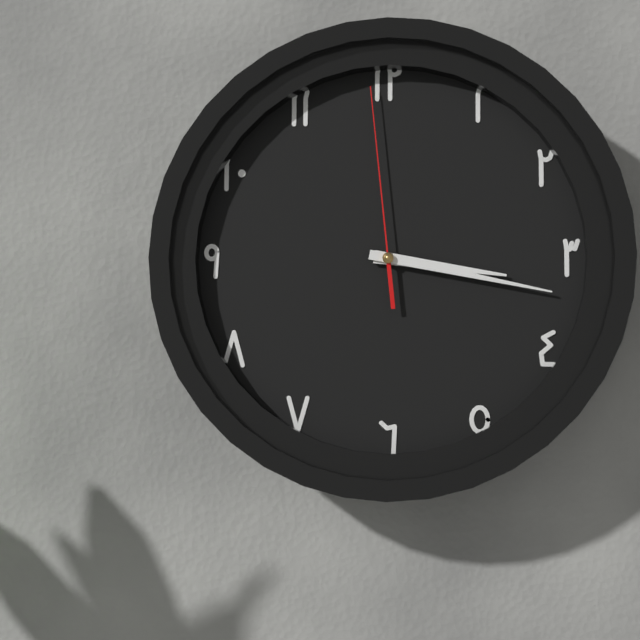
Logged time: 3 h 17 min 59 s
